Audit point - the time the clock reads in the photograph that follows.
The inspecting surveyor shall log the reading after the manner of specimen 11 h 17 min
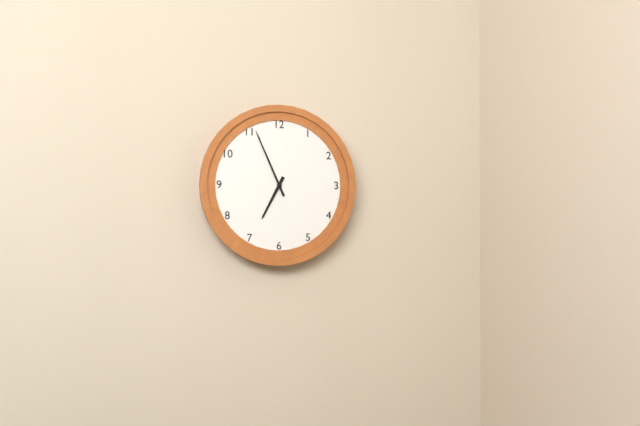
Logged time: 6 h 56 min
